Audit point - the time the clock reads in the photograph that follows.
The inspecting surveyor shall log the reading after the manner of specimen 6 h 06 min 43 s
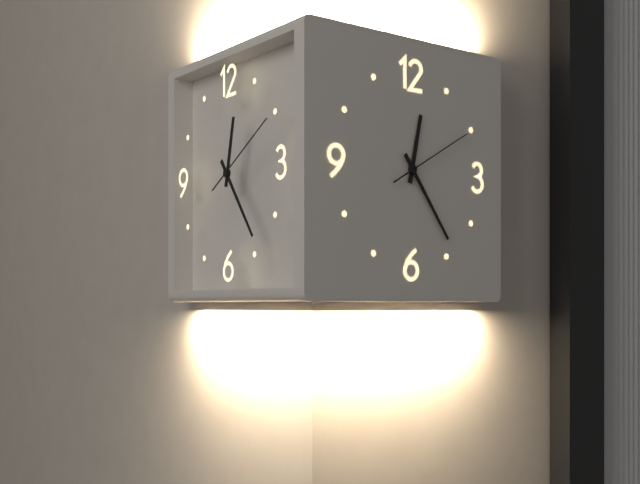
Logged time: 12 h 24 min 10 s
